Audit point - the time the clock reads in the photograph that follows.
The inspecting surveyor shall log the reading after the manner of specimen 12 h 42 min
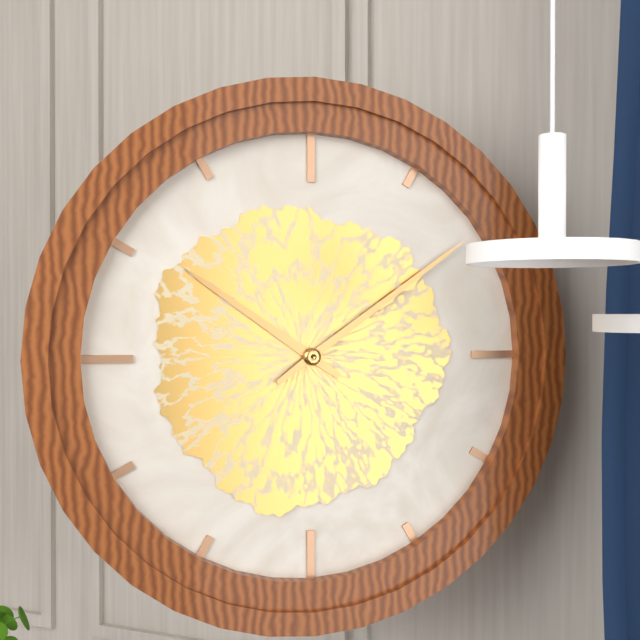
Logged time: 10 h 09 min
